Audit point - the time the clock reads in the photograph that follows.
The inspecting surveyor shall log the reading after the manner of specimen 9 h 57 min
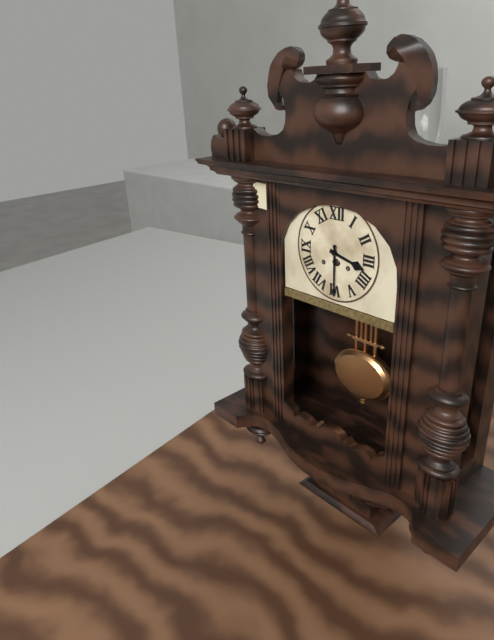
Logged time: 3 h 30 min
